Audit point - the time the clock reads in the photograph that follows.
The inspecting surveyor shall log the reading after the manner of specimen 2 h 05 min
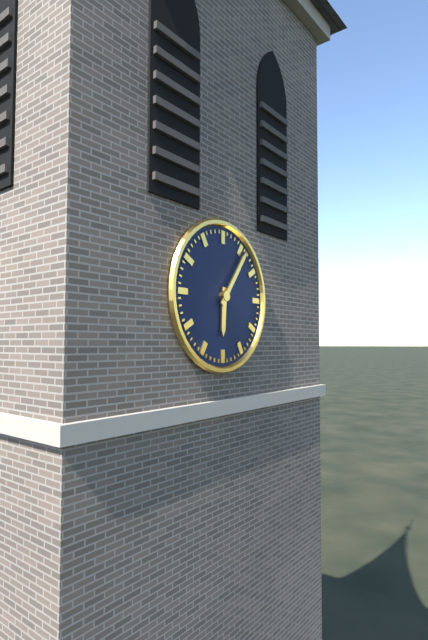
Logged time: 6 h 06 min
